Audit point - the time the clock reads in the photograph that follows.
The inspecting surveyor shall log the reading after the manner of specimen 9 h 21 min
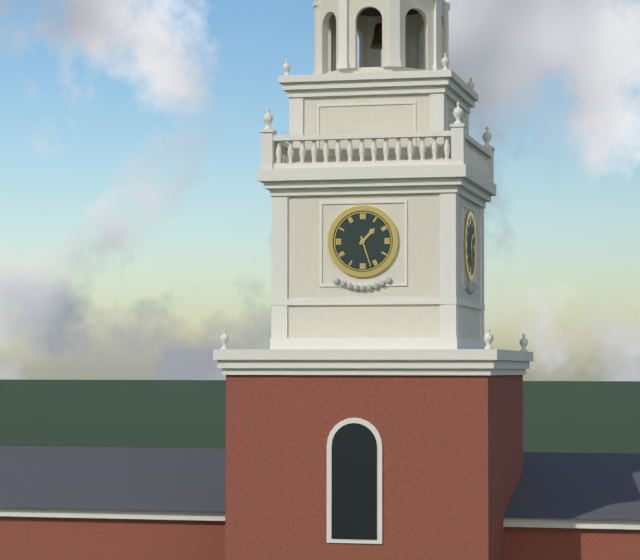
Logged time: 1 h 27 min
